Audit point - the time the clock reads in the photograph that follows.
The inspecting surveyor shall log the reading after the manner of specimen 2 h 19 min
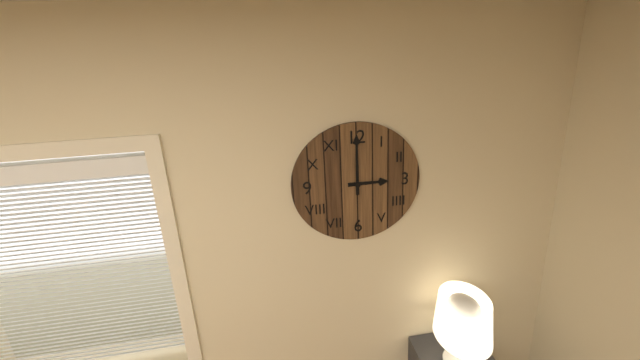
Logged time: 3 h 00 min
